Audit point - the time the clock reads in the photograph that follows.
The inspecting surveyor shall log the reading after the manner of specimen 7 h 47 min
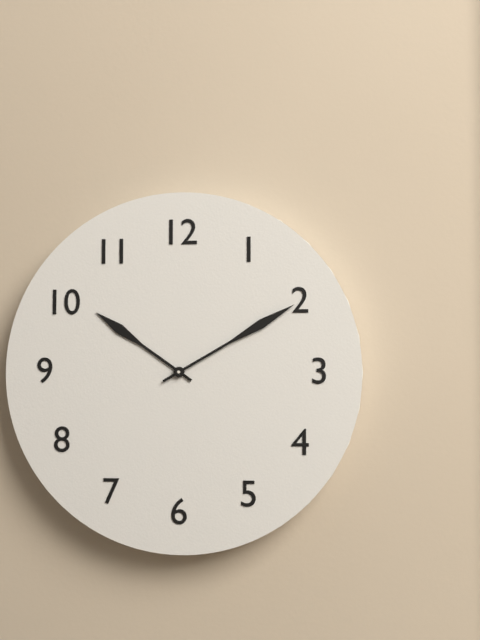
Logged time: 10 h 10 min
